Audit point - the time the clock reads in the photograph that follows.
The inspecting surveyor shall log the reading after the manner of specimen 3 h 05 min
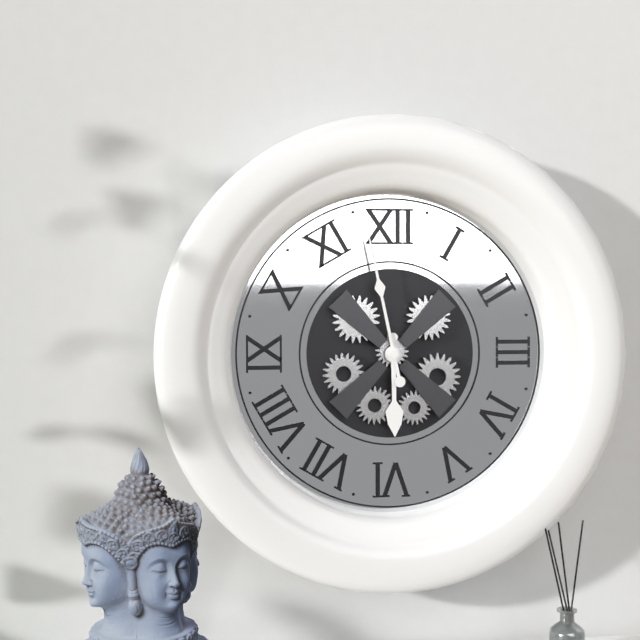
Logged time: 5 h 58 min
